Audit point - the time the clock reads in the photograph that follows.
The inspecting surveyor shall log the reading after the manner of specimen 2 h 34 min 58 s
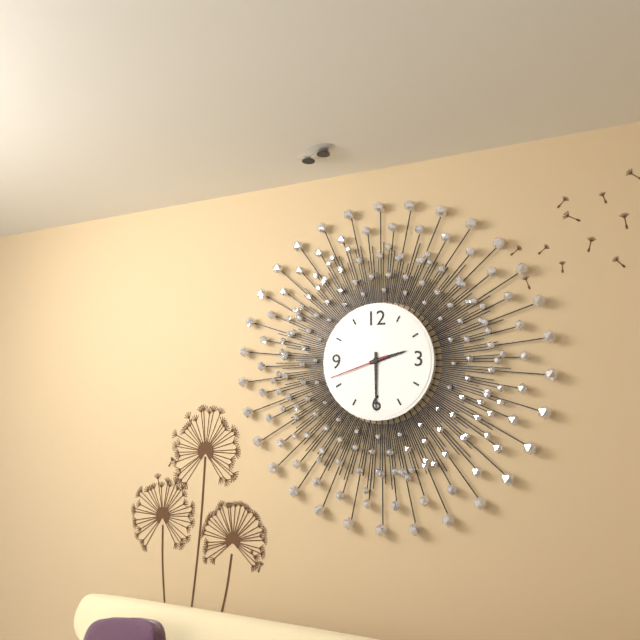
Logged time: 2 h 30 min 42 s
